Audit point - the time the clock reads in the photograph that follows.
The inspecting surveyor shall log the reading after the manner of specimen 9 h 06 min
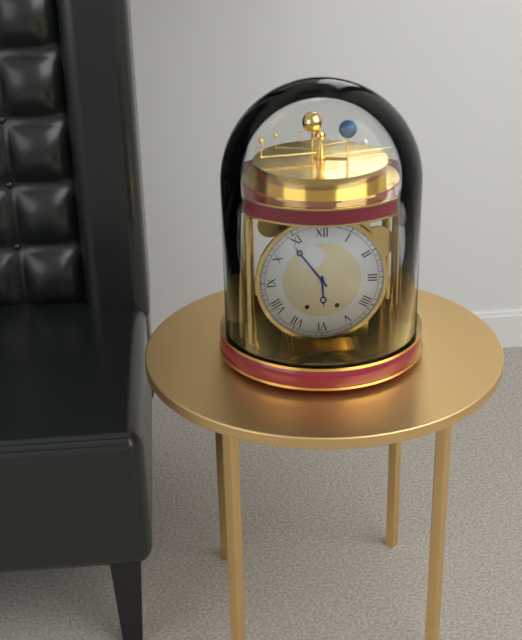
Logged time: 5 h 54 min
